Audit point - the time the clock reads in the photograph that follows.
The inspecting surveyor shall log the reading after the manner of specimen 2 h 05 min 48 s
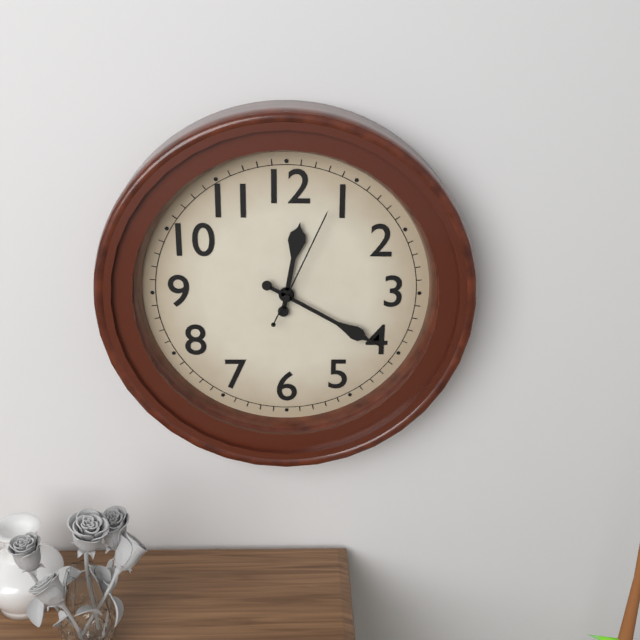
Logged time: 12 h 20 min 04 s
